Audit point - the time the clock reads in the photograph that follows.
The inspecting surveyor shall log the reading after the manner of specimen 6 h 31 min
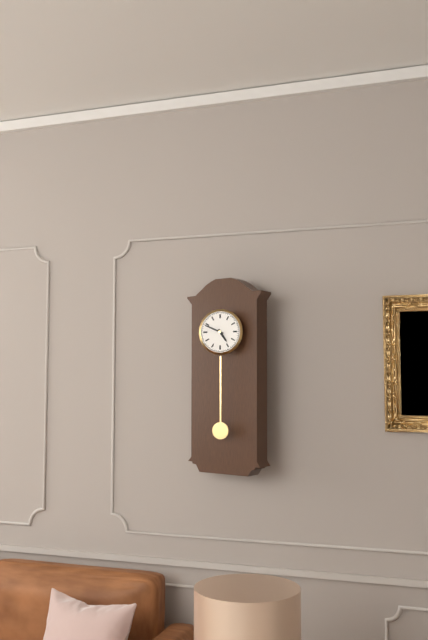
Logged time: 4 h 49 min
